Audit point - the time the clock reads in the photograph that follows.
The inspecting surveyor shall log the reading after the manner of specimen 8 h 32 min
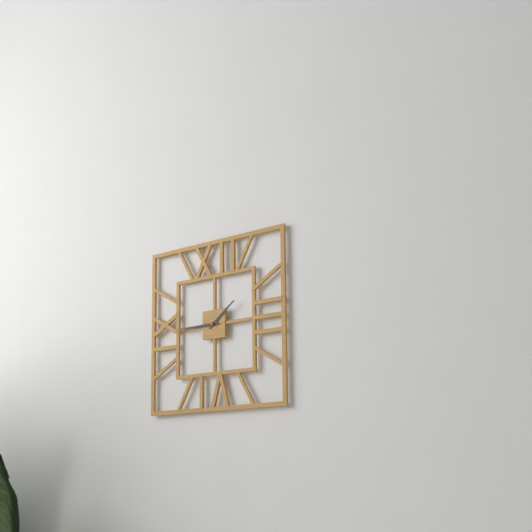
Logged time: 1 h 45 min
